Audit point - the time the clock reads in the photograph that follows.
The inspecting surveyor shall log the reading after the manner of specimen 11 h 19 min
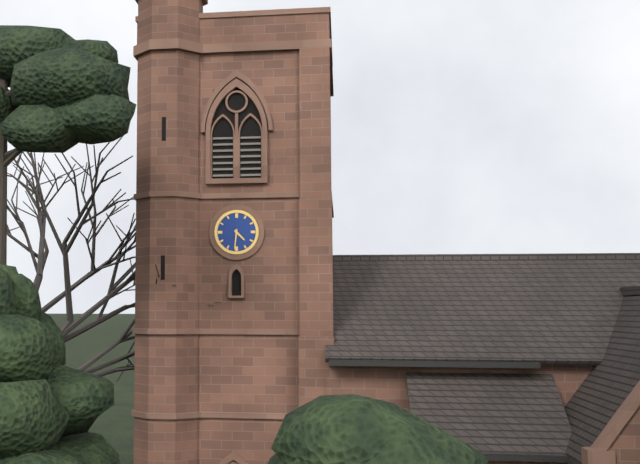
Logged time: 4 h 31 min
